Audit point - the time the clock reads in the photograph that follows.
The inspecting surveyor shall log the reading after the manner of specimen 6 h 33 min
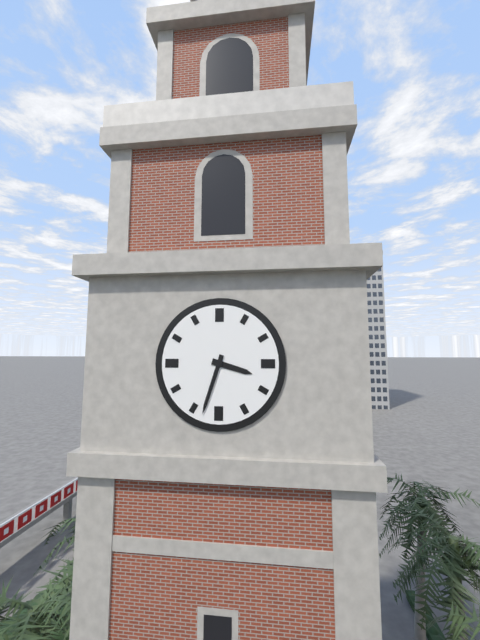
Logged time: 3 h 33 min
